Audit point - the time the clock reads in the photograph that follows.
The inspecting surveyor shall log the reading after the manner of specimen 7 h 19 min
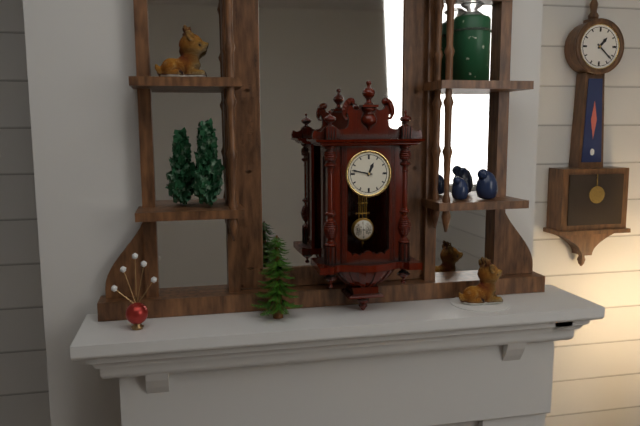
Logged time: 12 h 47 min
